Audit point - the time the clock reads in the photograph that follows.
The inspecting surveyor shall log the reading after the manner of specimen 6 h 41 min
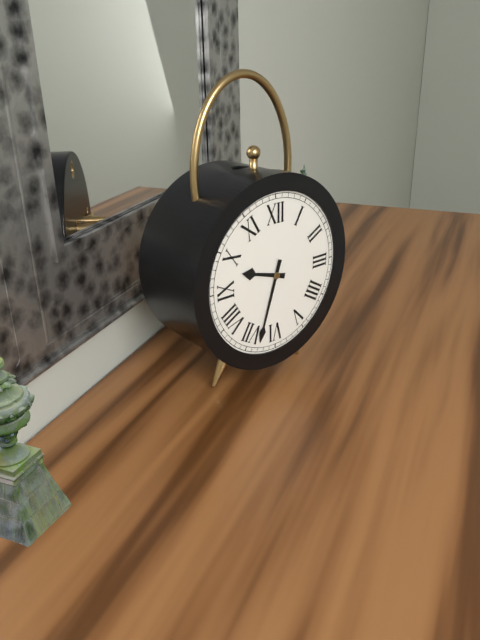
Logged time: 9 h 33 min
